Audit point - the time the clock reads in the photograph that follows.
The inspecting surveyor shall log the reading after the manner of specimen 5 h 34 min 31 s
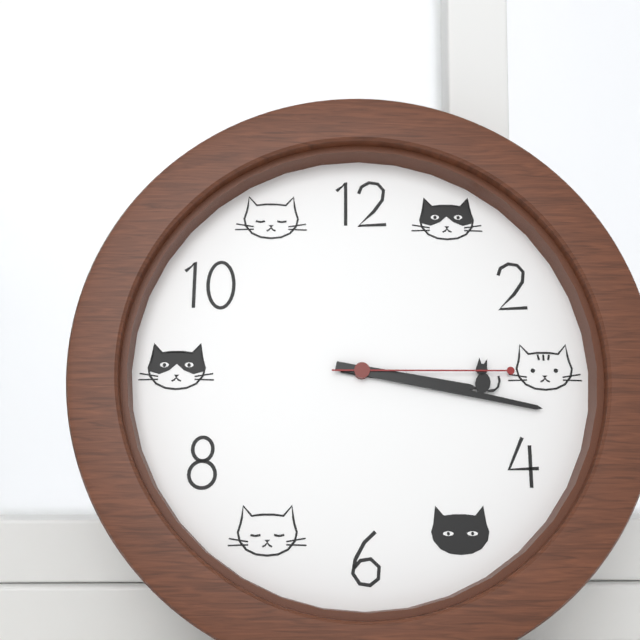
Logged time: 3 h 17 min 15 s
